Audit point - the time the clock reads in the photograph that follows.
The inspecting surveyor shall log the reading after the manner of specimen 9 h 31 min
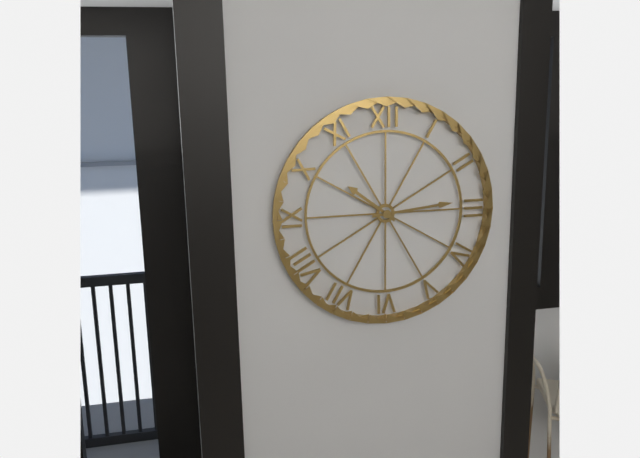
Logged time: 10 h 14 min
